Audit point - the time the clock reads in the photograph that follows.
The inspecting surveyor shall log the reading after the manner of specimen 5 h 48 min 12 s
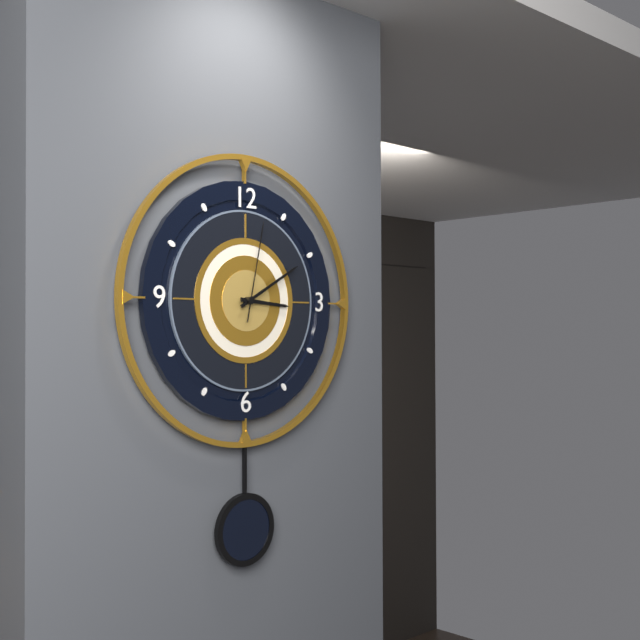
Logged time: 3 h 10 min 02 s
